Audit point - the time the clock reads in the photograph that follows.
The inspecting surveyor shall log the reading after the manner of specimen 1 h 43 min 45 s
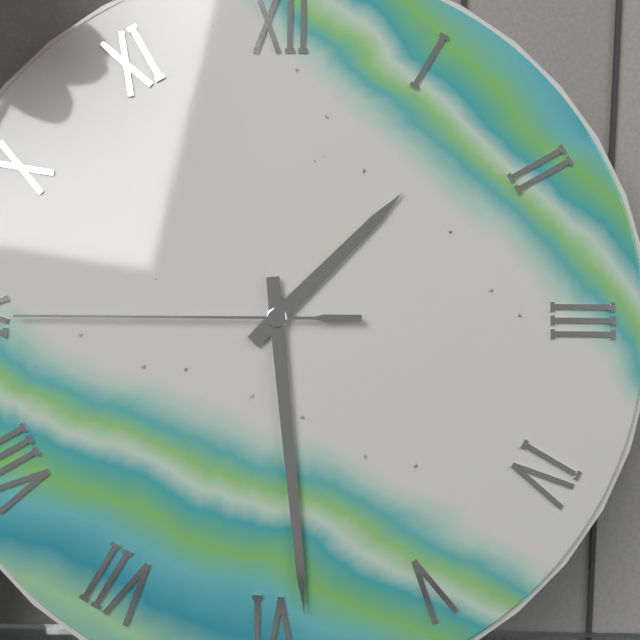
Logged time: 1 h 29 min 45 s
